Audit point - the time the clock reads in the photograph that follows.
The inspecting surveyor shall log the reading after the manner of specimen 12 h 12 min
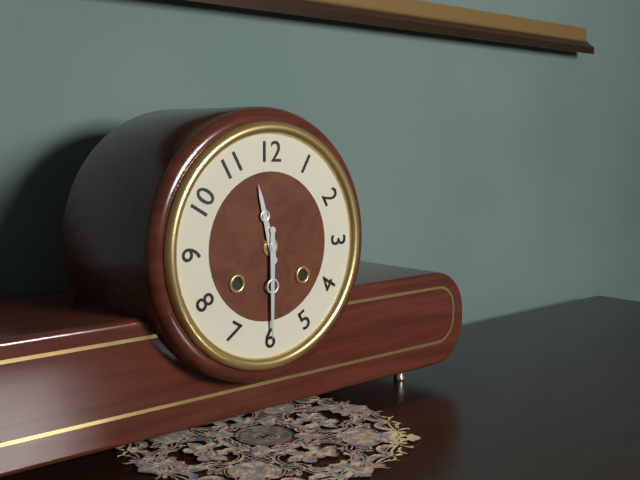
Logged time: 11 h 30 min
